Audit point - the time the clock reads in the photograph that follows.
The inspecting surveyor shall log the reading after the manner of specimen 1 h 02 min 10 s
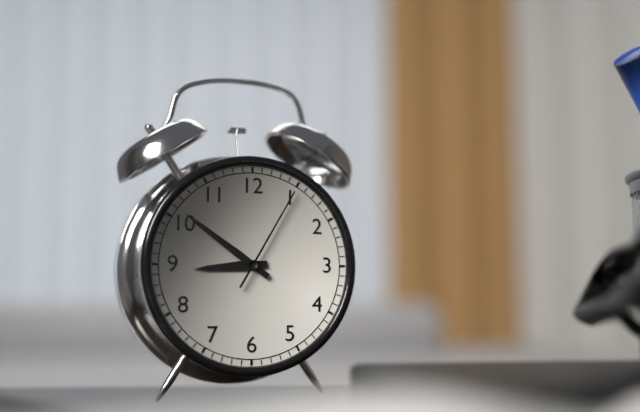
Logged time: 8 h 51 min 05 s
